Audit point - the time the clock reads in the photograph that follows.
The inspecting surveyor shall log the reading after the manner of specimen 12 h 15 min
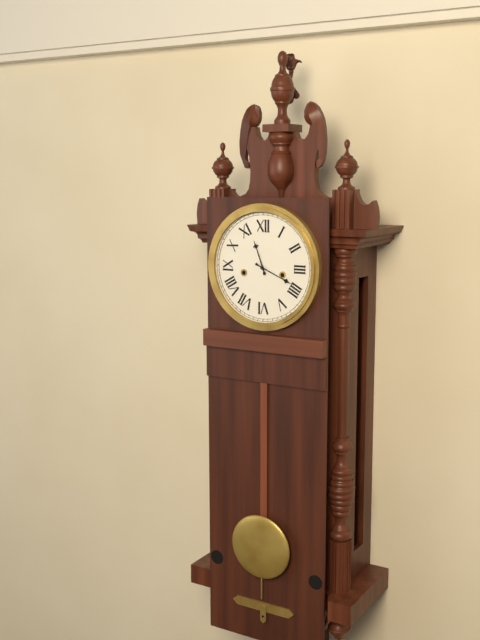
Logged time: 11 h 19 min
